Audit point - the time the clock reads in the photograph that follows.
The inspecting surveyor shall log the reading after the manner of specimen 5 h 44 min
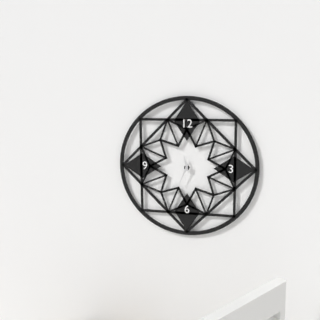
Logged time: 11 h 34 min
